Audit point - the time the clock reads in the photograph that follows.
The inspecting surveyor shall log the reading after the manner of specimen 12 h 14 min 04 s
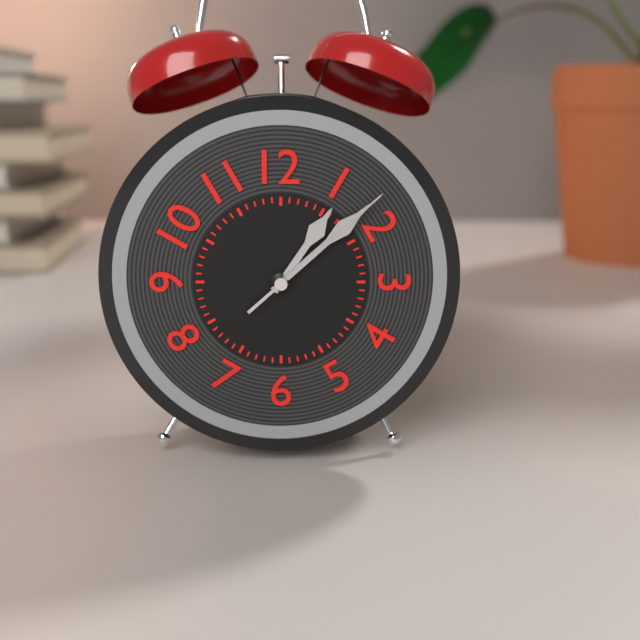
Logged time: 1 h 08 min 08 s
